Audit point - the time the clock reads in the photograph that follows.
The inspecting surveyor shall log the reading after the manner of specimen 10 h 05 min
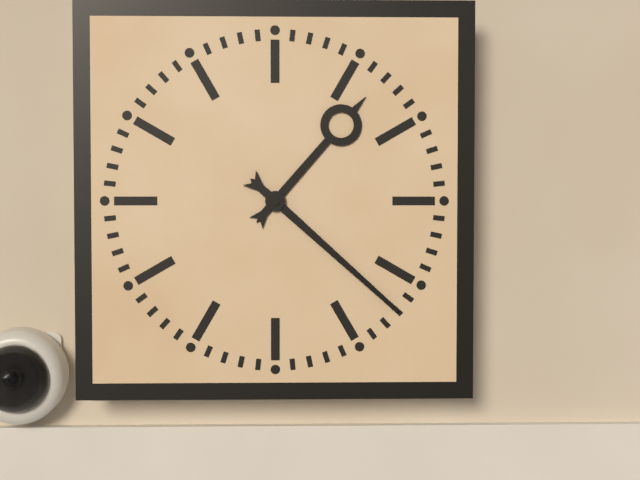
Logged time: 1 h 22 min
